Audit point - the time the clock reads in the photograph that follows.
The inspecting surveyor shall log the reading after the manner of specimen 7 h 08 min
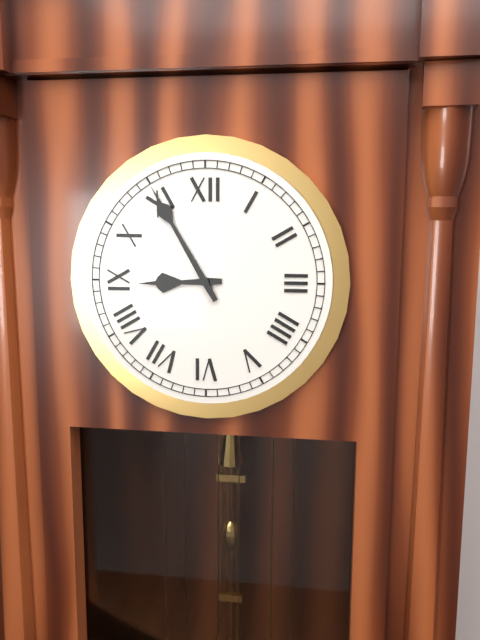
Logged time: 8 h 55 min
